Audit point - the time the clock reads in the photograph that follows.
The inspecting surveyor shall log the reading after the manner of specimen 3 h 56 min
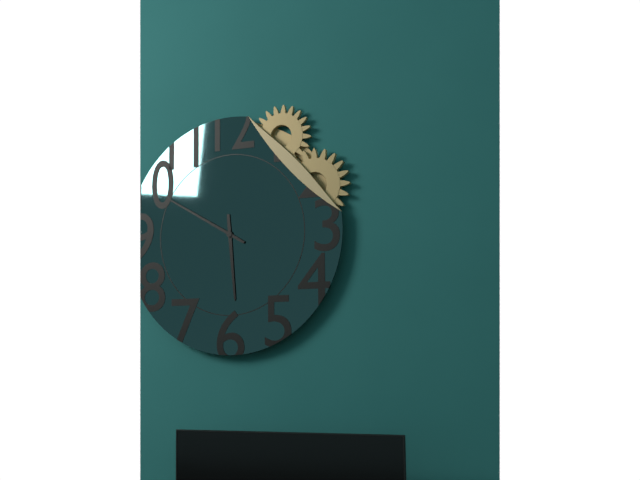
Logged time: 5 h 50 min
